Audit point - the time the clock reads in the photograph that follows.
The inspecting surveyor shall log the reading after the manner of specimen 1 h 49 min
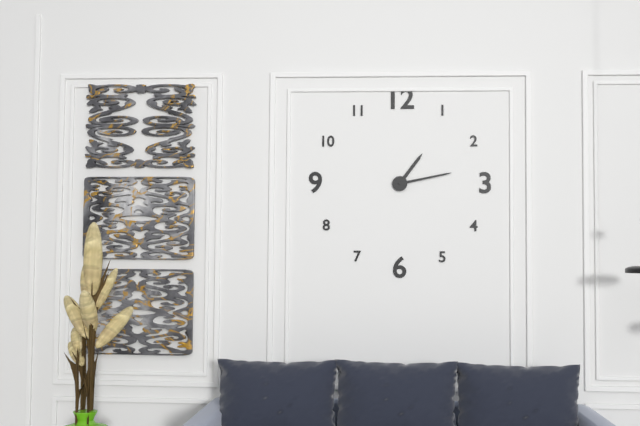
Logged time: 1 h 13 min
